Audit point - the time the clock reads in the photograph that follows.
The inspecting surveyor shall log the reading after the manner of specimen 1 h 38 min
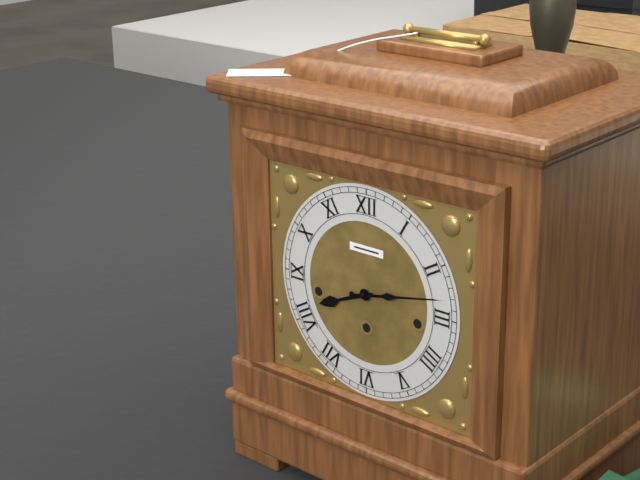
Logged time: 8 h 13 min
